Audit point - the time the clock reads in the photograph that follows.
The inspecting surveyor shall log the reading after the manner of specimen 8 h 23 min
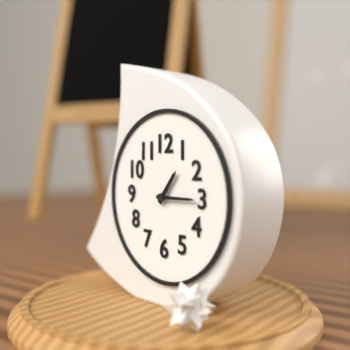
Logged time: 1 h 15 min
